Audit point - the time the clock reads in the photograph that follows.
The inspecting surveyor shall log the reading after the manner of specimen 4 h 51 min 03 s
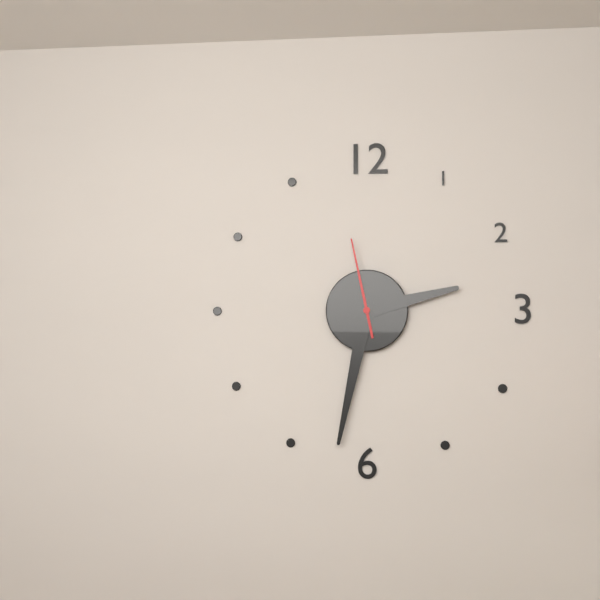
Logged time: 2 h 32 min 58 s
